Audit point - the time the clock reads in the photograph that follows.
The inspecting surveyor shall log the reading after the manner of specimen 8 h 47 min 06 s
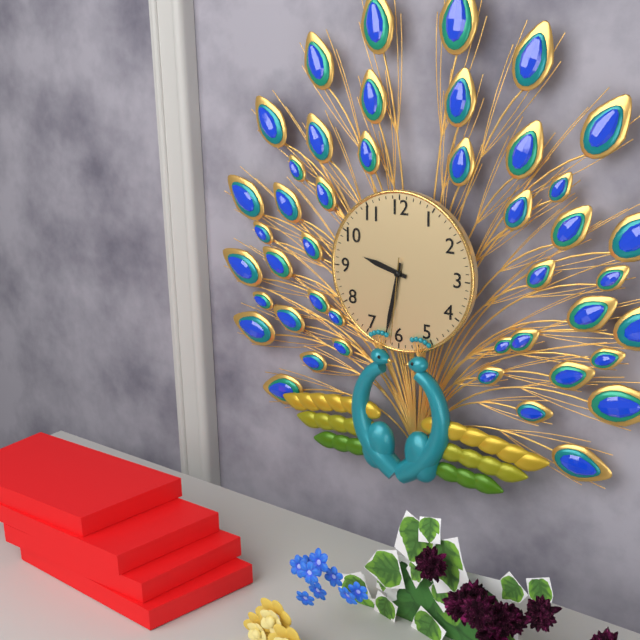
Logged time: 9 h 32 min 31 s
